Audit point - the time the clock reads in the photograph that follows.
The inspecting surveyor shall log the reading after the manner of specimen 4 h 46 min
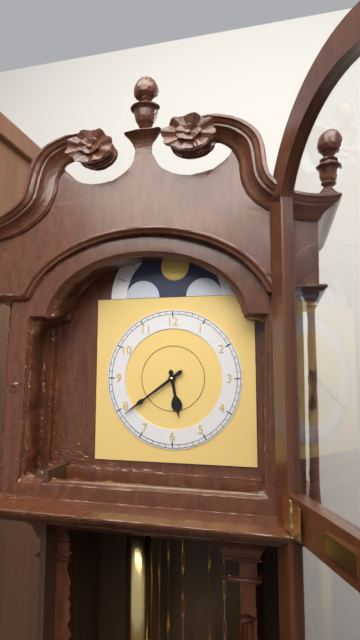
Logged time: 5 h 39 min
